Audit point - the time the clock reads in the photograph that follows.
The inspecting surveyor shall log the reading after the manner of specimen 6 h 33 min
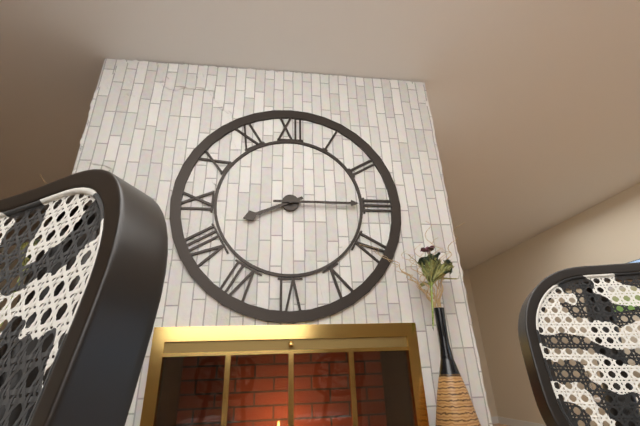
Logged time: 8 h 15 min
